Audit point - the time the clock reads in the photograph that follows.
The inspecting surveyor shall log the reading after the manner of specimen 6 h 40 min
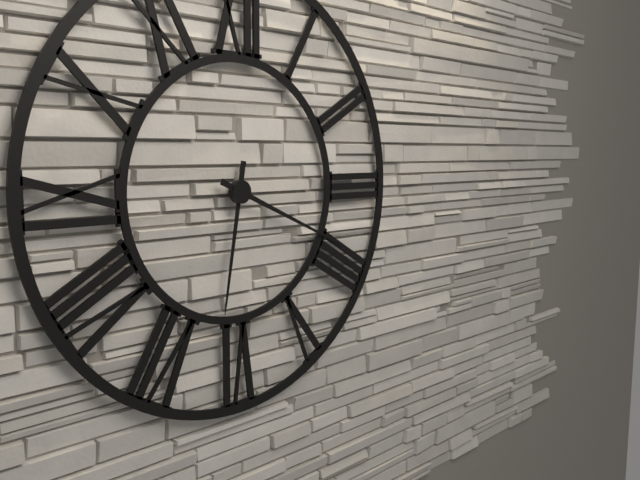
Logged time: 6 h 19 min
